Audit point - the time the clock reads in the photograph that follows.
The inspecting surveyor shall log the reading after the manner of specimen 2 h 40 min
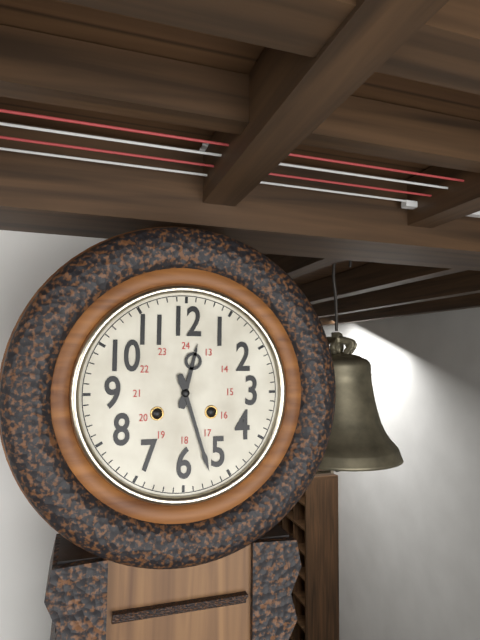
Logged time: 12 h 27 min
